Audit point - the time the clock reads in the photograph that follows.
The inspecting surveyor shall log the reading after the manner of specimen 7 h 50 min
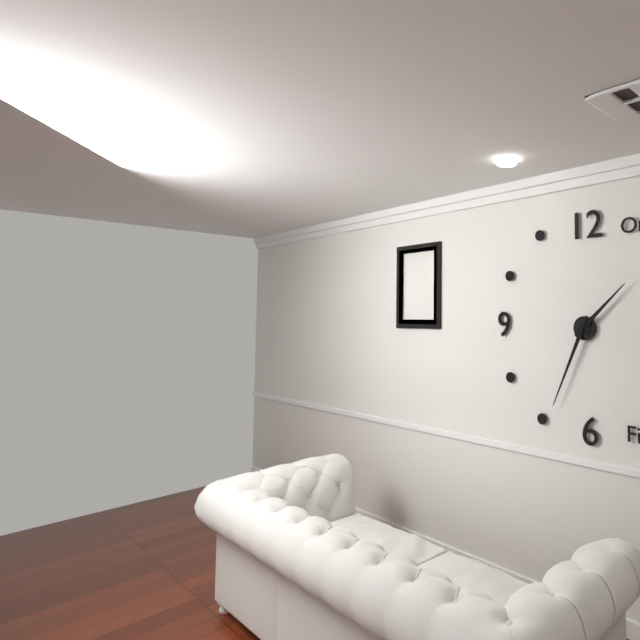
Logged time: 1 h 34 min
